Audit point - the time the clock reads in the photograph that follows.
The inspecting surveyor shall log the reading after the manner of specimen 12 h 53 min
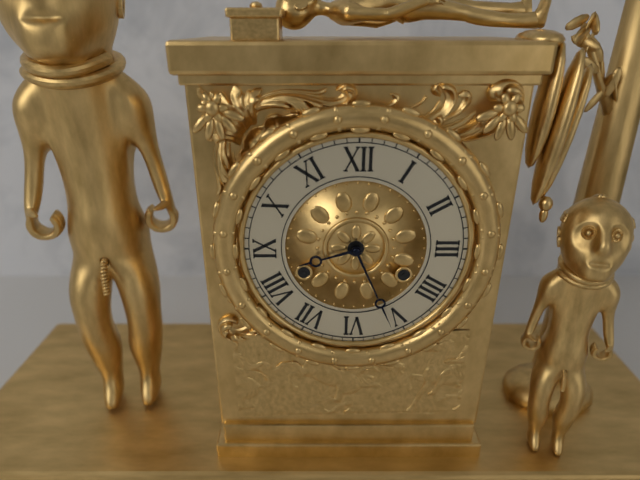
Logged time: 8 h 26 min
